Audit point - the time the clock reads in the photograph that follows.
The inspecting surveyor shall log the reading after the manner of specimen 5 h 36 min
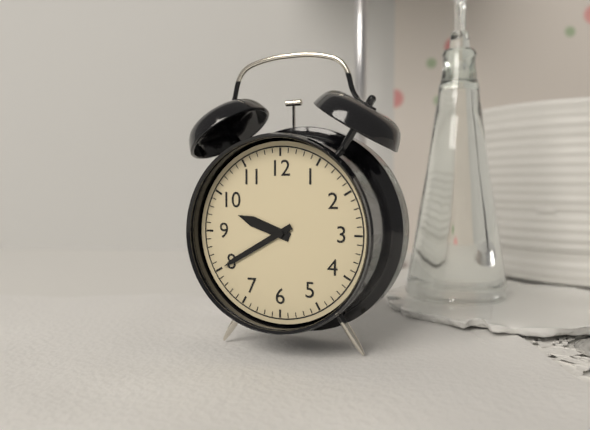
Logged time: 9 h 40 min
